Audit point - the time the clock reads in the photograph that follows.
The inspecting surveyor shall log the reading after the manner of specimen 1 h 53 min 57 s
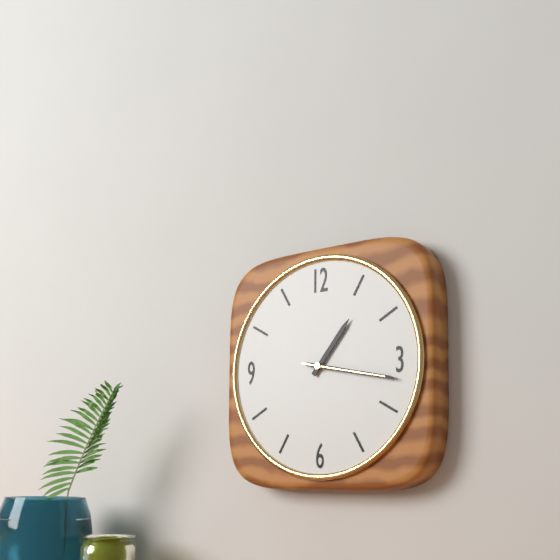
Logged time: 1 h 17 min 17 s
